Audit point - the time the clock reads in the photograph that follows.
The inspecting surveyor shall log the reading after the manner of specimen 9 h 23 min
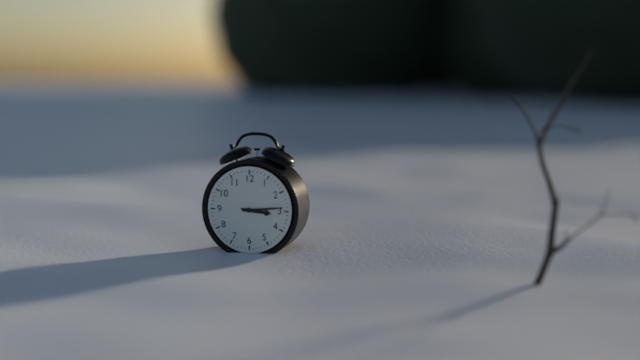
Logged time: 3 h 14 min
